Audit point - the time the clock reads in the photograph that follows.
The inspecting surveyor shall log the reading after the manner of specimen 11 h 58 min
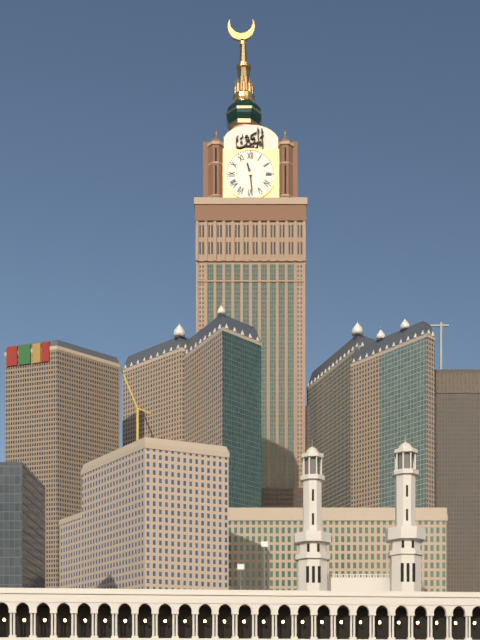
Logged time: 11 h 29 min
